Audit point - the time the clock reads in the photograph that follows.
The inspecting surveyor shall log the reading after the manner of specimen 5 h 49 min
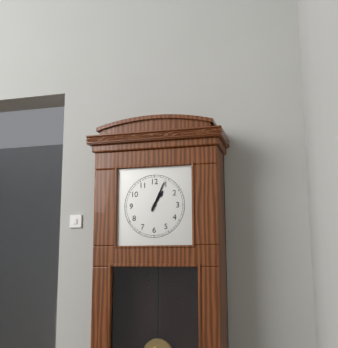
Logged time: 1 h 04 min
